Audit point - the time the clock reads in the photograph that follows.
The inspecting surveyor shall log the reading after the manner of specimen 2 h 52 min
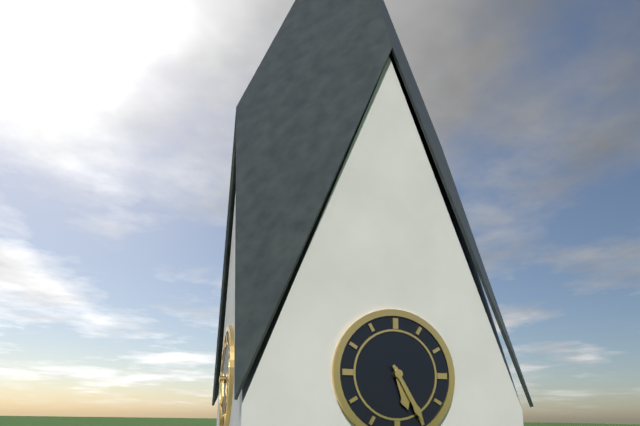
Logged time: 5 h 25 min
